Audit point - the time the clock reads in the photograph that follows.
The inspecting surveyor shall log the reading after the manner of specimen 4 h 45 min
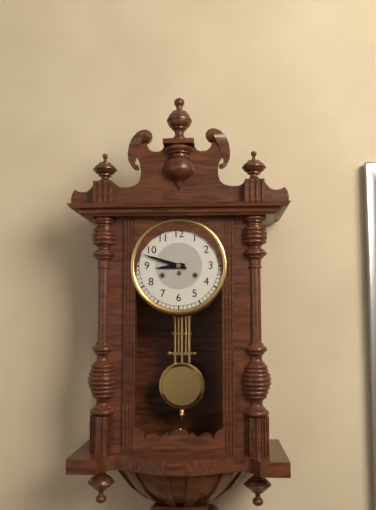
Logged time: 8 h 48 min
